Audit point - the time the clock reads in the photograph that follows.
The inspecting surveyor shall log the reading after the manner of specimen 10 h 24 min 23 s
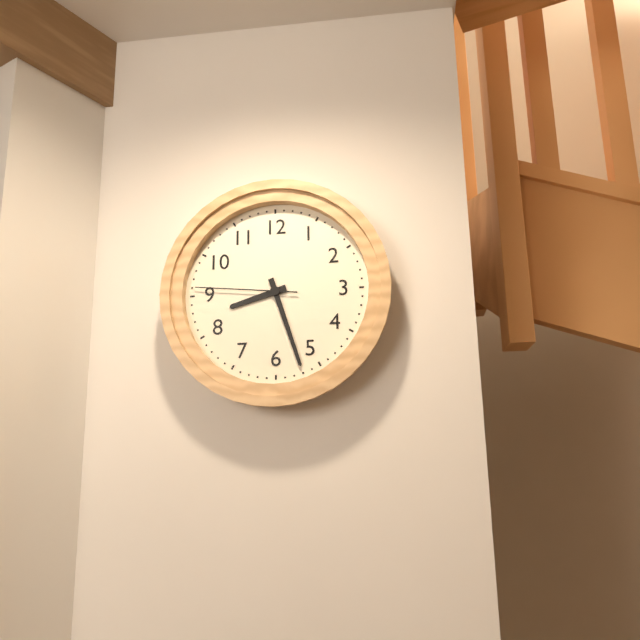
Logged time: 8 h 27 min 46 s
